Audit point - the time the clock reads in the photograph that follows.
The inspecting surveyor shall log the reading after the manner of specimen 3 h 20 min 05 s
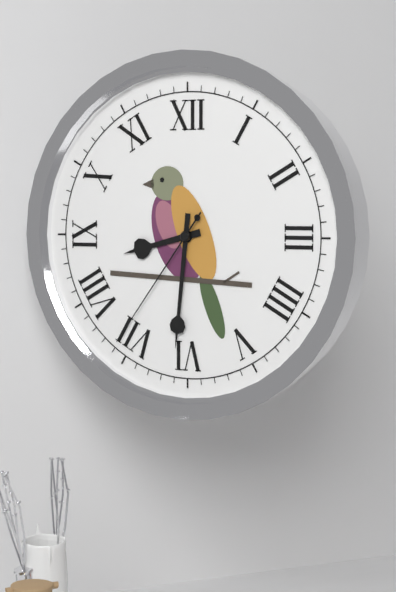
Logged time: 8 h 31 min 36 s
